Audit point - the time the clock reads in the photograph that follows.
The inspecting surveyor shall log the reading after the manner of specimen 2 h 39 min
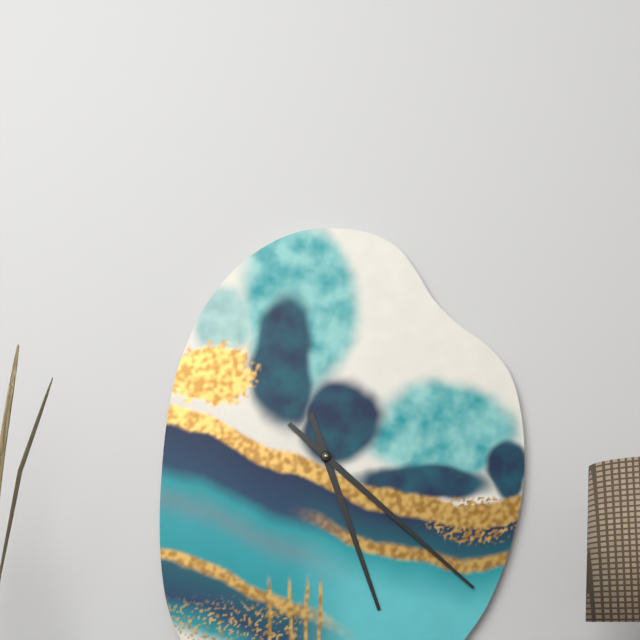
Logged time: 5 h 22 min
